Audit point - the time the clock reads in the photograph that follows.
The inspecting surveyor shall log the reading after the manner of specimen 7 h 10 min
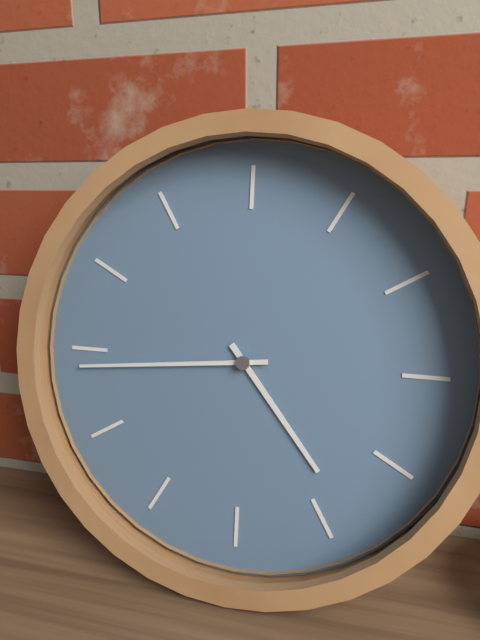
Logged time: 4 h 44 min
